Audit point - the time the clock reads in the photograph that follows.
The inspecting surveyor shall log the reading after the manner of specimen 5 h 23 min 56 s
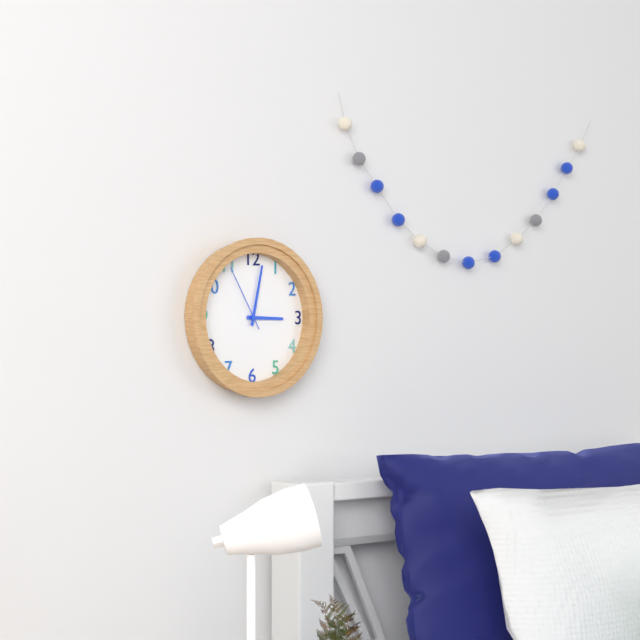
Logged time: 3 h 02 min 55 s
